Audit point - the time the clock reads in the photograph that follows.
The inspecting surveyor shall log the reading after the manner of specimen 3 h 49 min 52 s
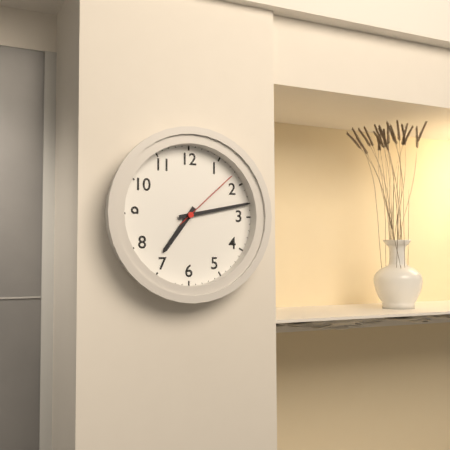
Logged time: 7 h 13 min 08 s
